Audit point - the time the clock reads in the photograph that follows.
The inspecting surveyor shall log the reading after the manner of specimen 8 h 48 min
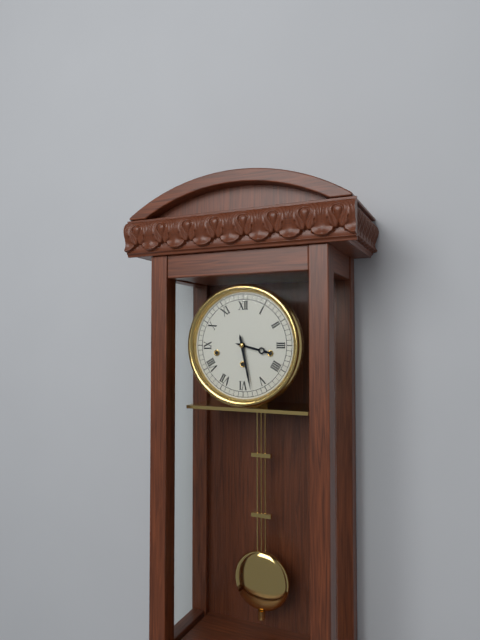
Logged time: 3 h 28 min
